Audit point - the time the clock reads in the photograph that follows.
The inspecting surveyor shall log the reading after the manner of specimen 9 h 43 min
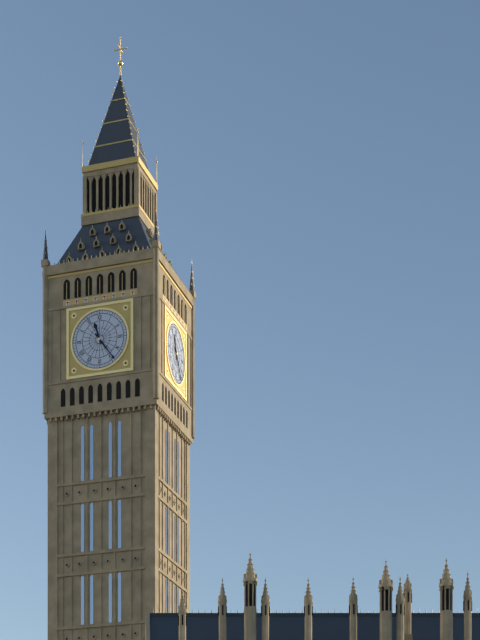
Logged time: 11 h 24 min
